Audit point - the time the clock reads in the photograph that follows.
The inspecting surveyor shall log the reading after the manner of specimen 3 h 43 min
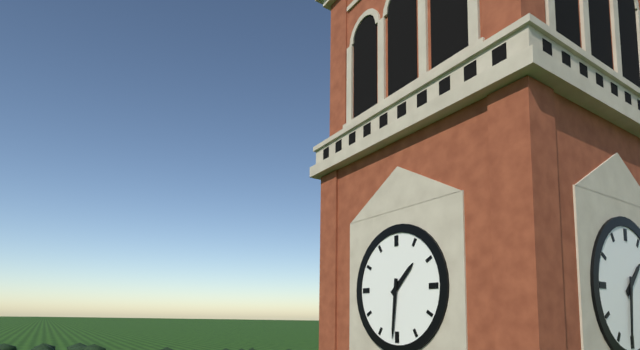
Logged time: 1 h 31 min
